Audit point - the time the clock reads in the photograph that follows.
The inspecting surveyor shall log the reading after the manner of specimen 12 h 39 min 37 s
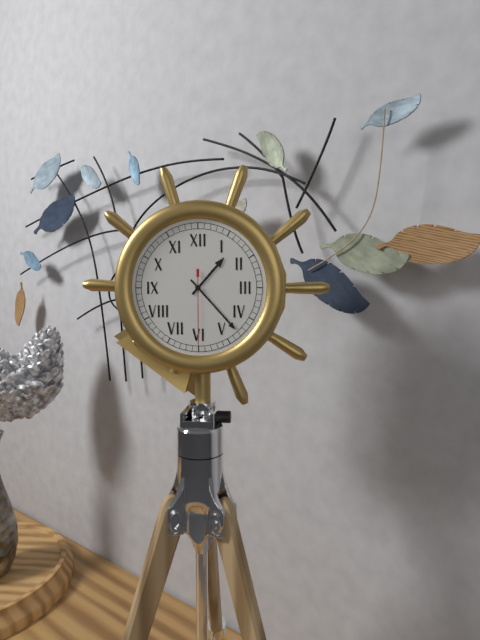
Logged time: 1 h 23 min 30 s
